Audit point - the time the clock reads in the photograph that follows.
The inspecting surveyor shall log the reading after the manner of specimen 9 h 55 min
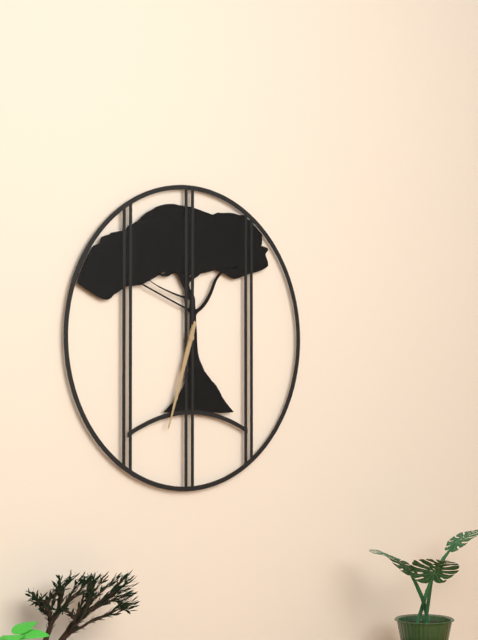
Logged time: 6 h 33 min
